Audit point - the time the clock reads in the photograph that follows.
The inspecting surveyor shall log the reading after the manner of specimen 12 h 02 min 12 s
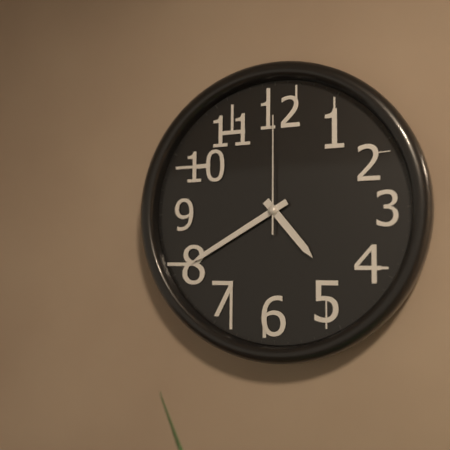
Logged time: 4 h 40 min 00 s
